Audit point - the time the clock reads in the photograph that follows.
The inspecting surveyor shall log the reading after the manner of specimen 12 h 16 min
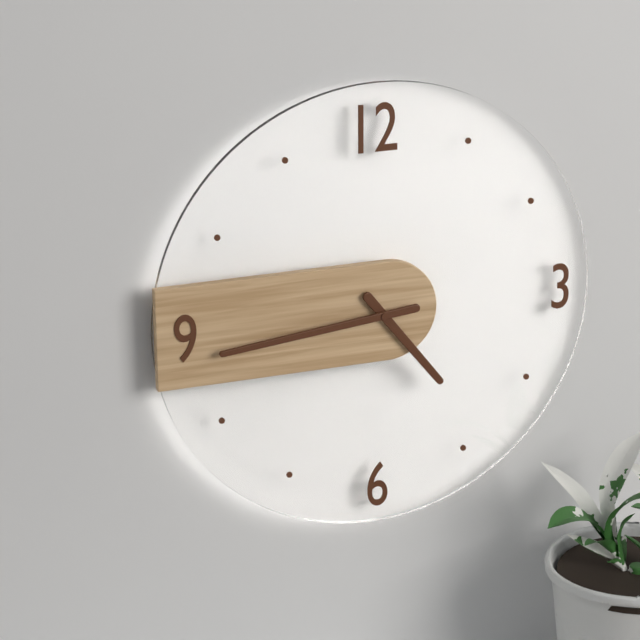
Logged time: 4 h 44 min
